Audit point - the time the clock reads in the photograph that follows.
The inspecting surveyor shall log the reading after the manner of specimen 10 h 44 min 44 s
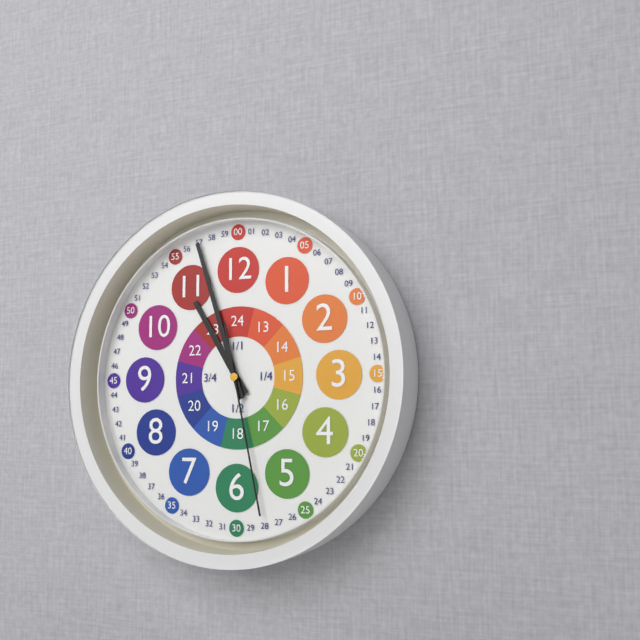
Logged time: 10 h 57 min 28 s
